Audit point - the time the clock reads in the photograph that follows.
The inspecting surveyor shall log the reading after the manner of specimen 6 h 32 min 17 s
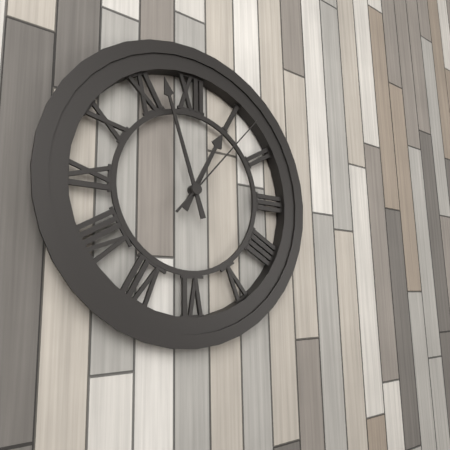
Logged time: 12 h 57 min 07 s
